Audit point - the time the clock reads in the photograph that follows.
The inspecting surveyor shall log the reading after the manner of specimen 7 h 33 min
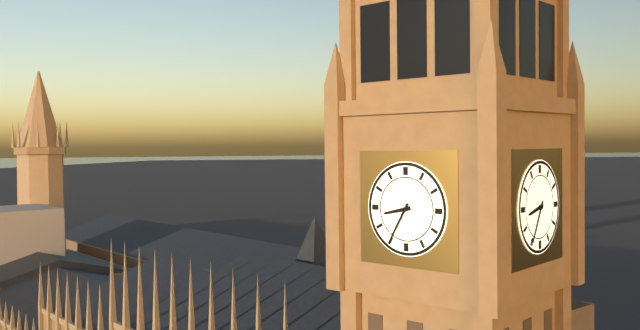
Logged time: 8 h 35 min
